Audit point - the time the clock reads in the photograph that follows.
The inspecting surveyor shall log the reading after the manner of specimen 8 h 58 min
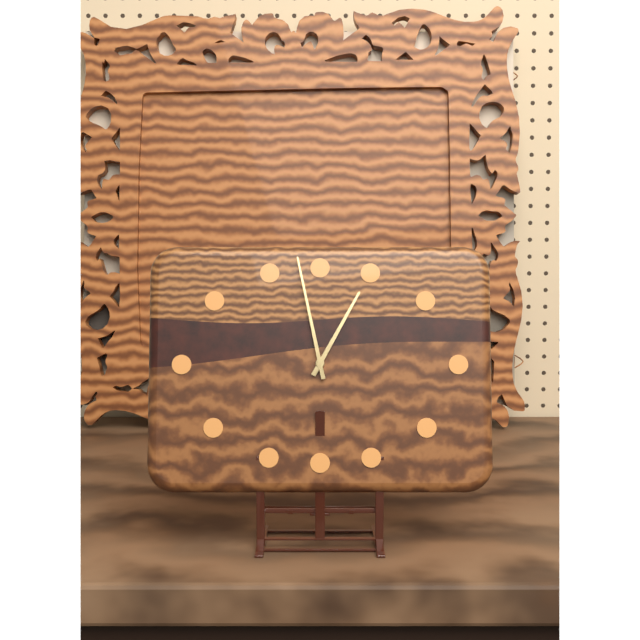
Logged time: 12 h 58 min
